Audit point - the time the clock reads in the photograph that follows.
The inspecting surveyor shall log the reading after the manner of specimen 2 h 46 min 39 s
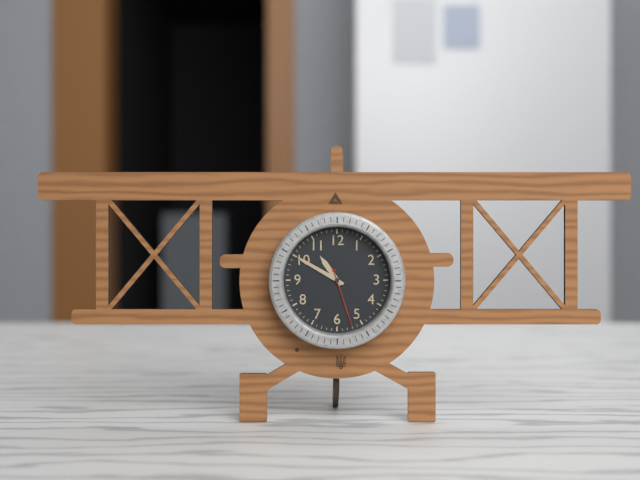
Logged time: 10 h 50 min 27 s
